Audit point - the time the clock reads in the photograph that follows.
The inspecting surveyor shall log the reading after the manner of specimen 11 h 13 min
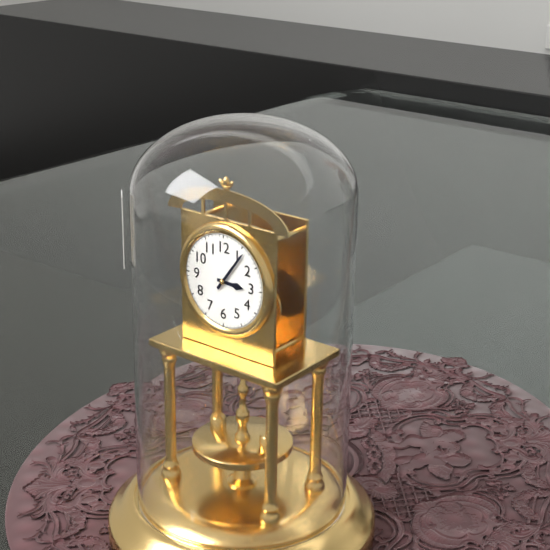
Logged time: 3 h 06 min
